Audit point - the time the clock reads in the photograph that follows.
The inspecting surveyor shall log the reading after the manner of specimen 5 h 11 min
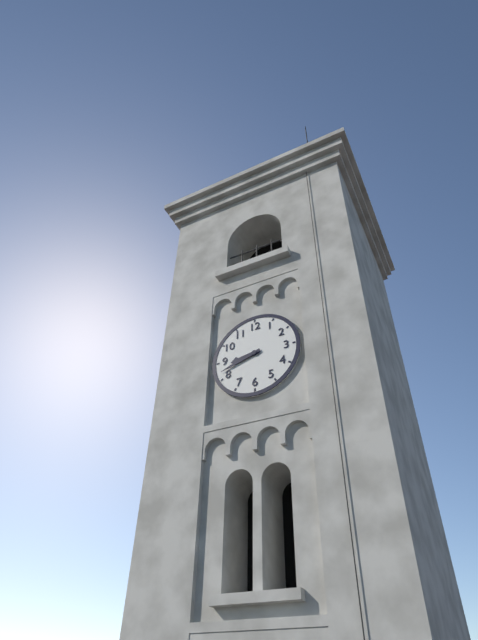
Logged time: 8 h 42 min
